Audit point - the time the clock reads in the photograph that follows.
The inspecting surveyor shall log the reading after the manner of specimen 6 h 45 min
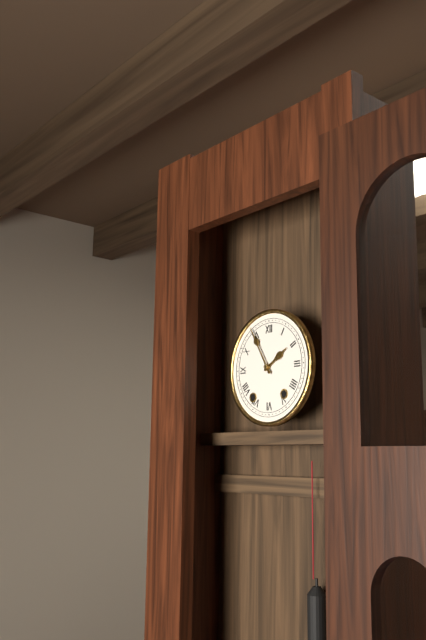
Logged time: 1 h 55 min
